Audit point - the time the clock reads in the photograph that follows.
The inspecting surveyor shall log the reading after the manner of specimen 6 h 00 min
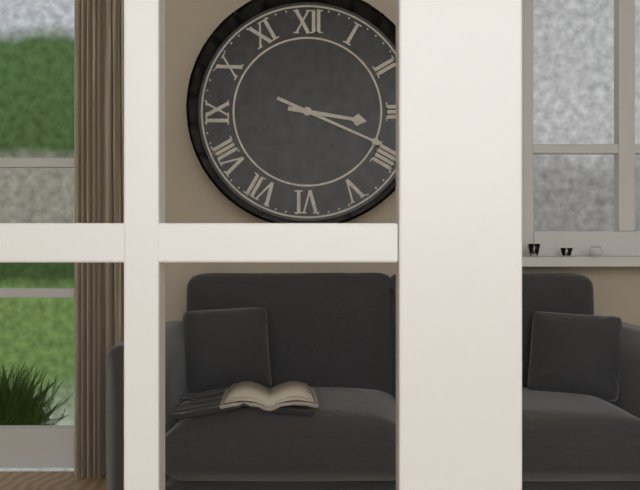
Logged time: 3 h 19 min
